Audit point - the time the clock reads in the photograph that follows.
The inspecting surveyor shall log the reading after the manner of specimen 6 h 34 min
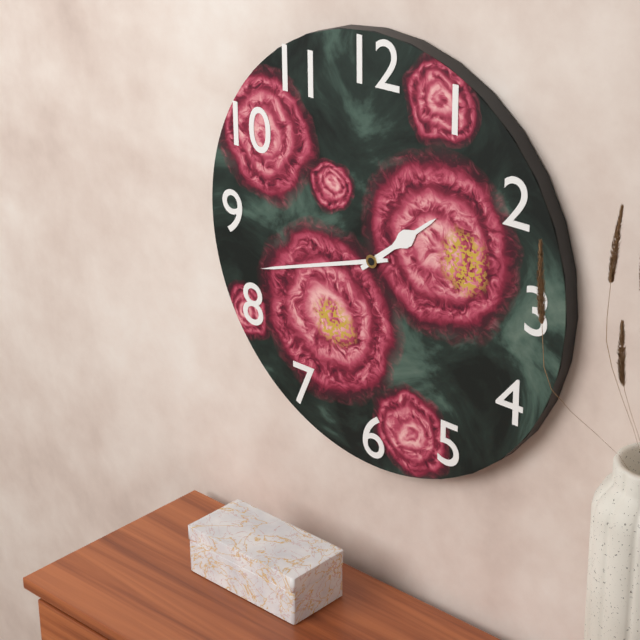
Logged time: 1 h 42 min
